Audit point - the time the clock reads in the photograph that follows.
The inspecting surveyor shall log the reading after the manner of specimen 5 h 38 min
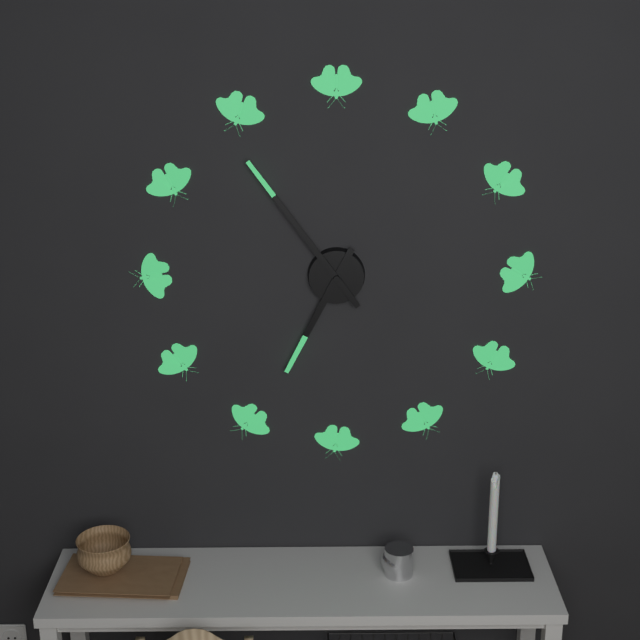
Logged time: 6 h 54 min
